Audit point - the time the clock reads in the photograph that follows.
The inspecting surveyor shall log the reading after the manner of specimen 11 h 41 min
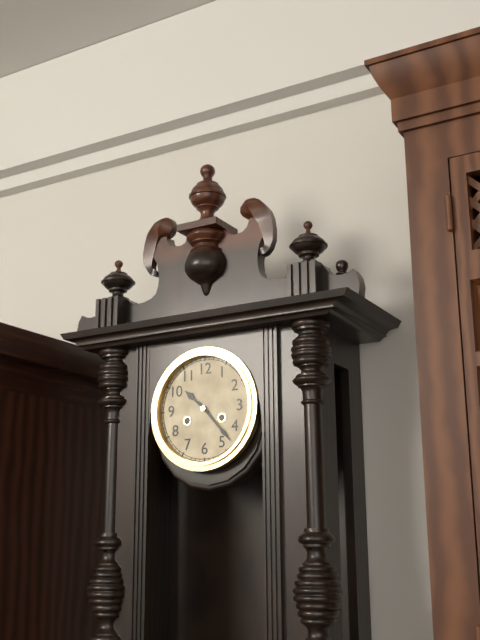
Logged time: 10 h 23 min
